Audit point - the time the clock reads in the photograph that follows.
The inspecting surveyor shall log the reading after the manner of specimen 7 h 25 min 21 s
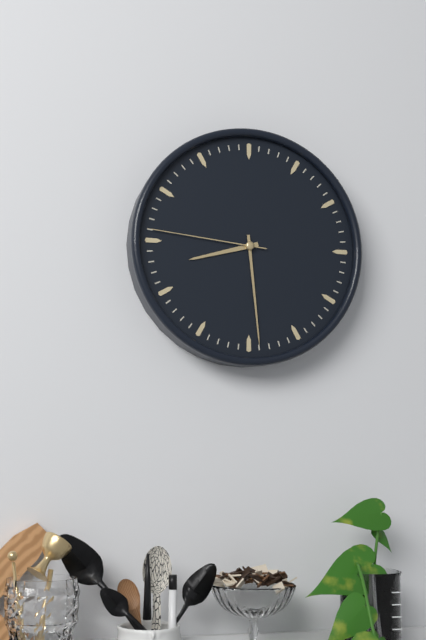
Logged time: 8 h 29 min 46 s
